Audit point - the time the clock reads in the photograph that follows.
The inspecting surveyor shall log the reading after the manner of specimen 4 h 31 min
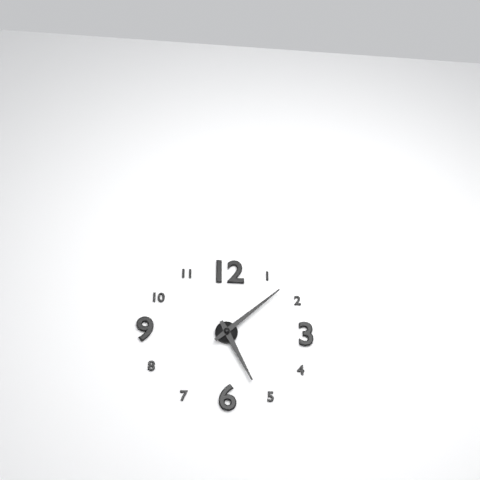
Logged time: 5 h 08 min
